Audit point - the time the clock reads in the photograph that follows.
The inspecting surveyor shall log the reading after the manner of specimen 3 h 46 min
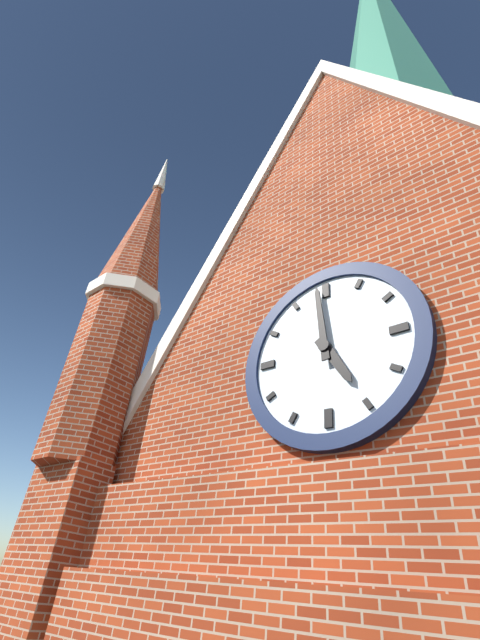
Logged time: 4 h 59 min
